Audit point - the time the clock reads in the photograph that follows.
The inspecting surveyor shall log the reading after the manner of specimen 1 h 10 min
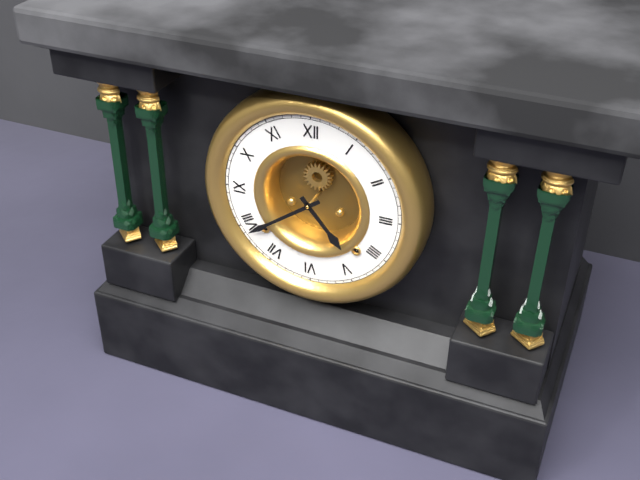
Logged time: 4 h 39 min
